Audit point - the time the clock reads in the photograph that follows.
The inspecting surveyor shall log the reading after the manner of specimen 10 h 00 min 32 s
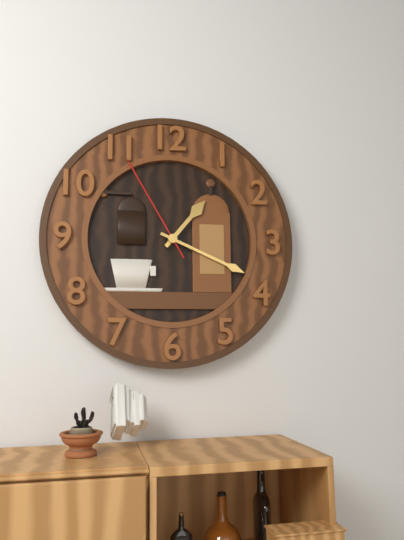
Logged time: 1 h 19 min 55 s
